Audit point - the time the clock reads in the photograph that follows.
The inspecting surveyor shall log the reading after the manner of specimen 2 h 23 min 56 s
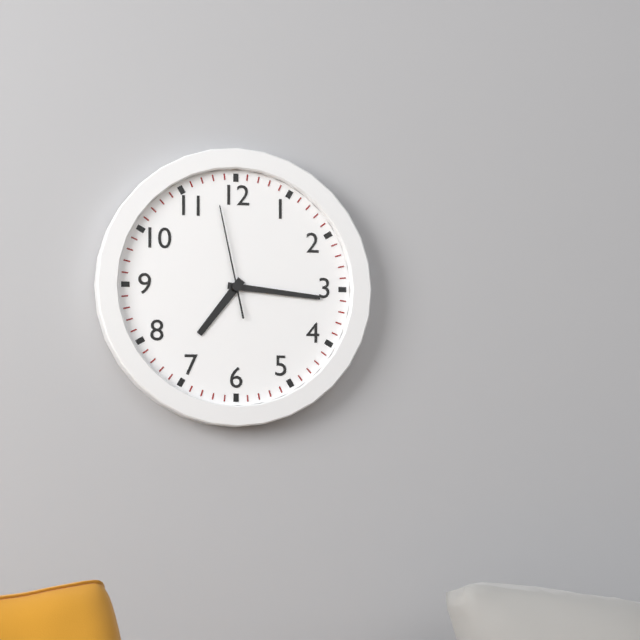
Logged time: 7 h 16 min 58 s
